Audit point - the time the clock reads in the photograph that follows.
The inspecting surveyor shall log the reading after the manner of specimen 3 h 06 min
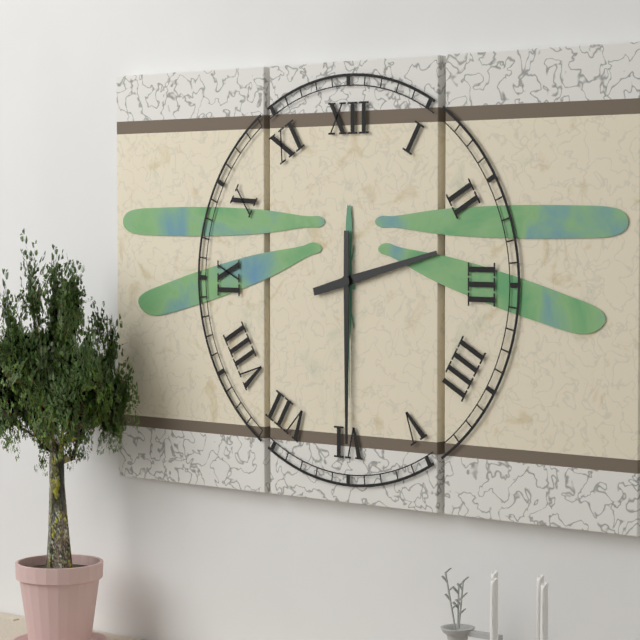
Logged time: 2 h 30 min
